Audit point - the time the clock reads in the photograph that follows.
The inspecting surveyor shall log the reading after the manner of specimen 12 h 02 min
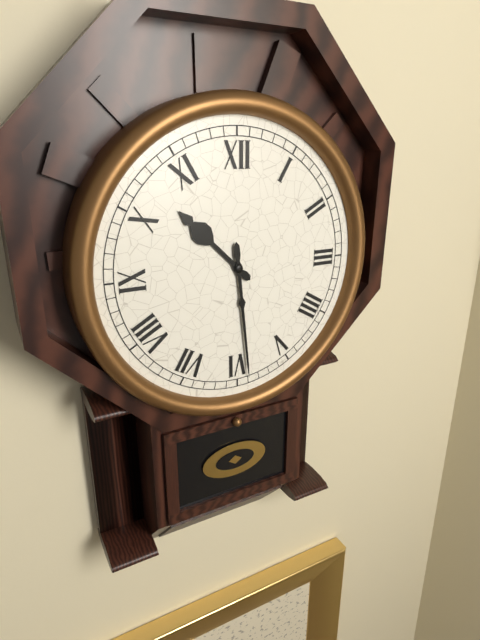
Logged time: 10 h 29 min
